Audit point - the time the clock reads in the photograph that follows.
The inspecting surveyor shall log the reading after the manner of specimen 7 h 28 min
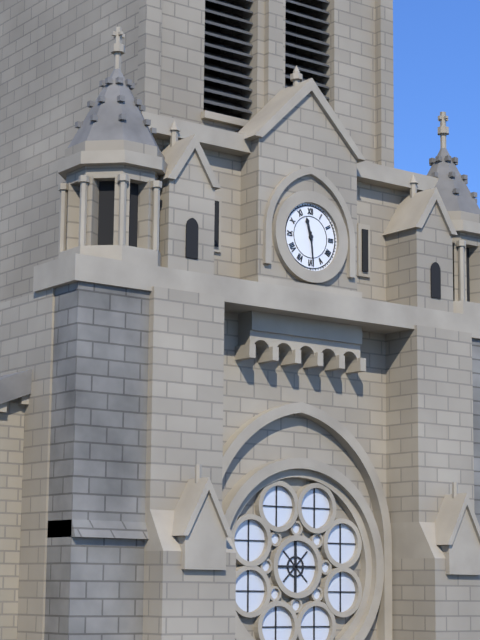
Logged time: 11 h 29 min
